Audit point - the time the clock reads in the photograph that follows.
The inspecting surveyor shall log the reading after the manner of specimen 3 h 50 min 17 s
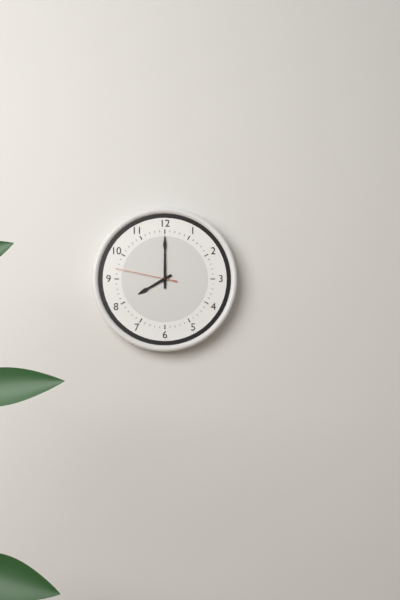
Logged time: 8 h 00 min 47 s
